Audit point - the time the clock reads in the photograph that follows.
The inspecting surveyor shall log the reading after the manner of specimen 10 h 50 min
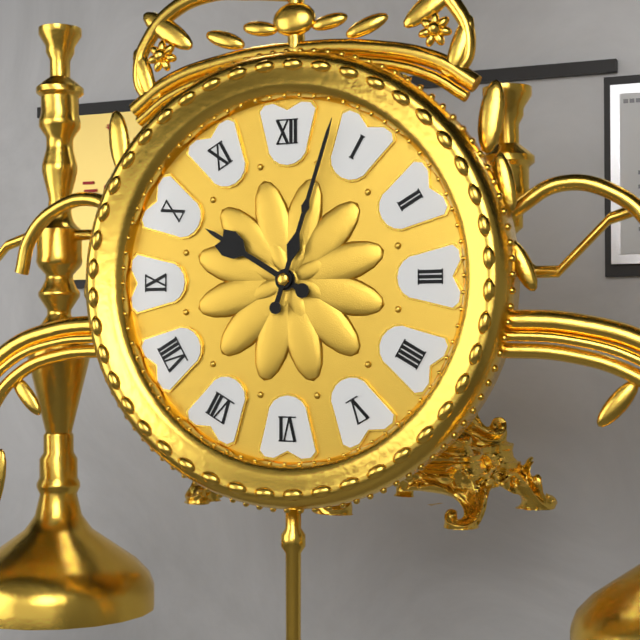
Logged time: 10 h 03 min
